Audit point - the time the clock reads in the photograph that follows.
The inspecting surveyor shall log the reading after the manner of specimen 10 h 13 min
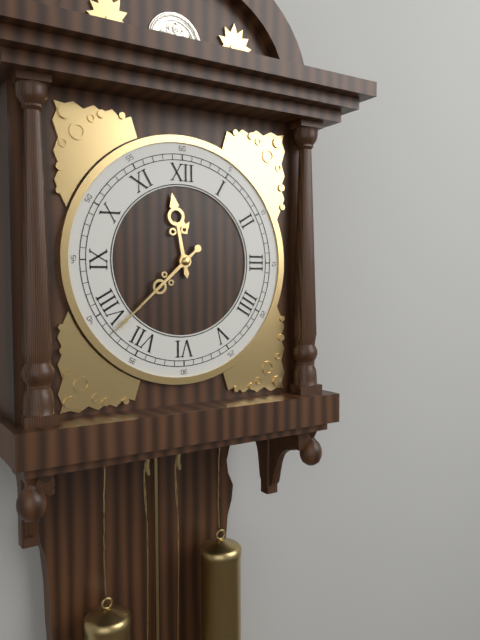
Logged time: 11 h 38 min
